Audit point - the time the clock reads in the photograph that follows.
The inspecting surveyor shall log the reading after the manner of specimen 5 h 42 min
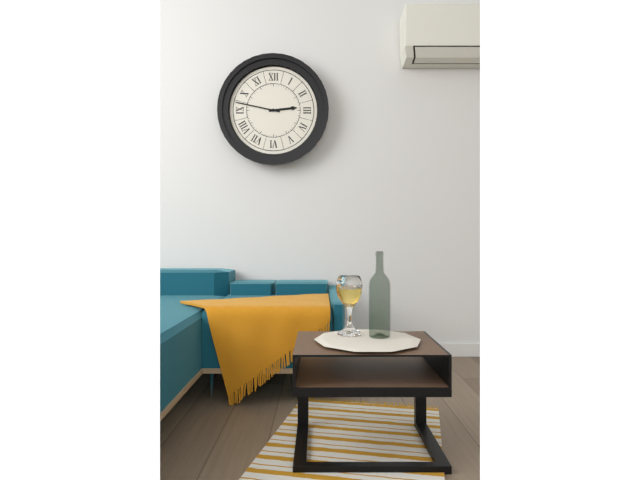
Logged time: 2 h 47 min
